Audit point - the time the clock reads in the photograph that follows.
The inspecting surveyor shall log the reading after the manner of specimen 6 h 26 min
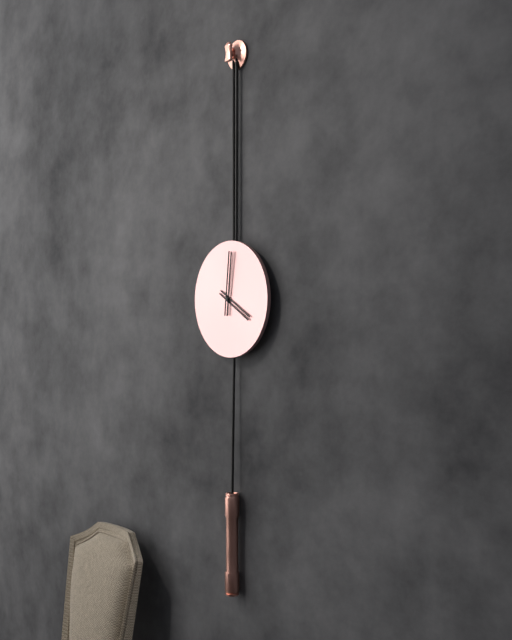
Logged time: 4 h 01 min
